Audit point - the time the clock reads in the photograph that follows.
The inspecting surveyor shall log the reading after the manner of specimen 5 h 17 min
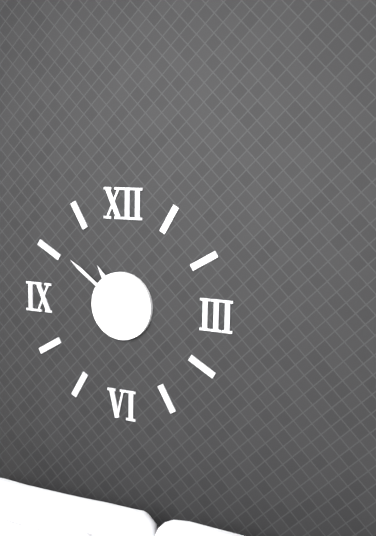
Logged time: 10 h 51 min
